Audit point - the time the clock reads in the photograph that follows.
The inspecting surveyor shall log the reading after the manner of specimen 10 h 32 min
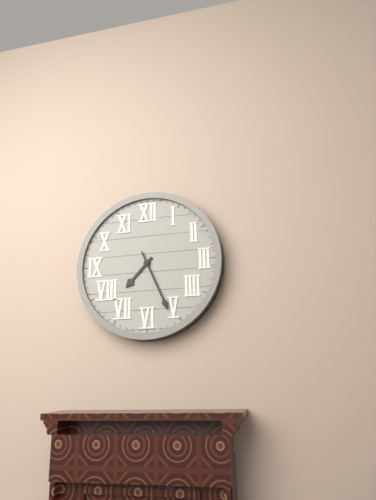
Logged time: 7 h 26 min
